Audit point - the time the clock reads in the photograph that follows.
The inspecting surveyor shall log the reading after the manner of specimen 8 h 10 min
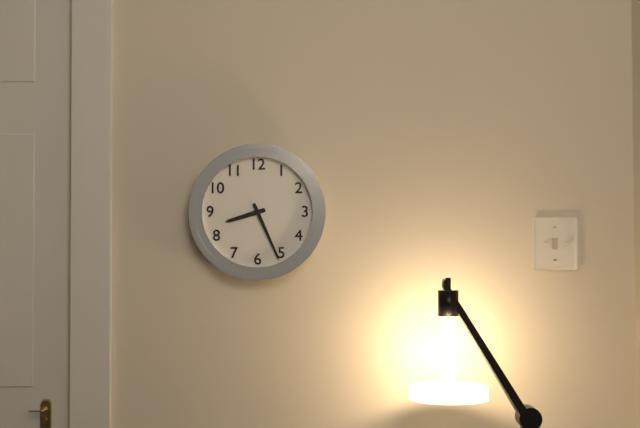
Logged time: 8 h 26 min
